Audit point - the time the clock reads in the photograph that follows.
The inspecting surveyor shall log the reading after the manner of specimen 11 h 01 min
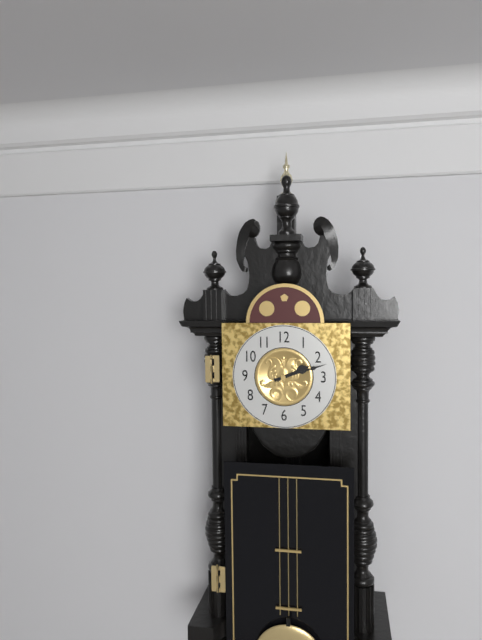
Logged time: 2 h 12 min
